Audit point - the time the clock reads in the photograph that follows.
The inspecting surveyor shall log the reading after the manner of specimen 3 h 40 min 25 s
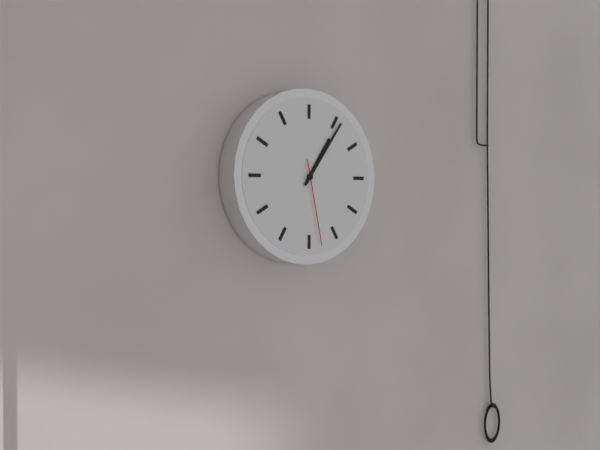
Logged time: 1 h 06 min 28 s
